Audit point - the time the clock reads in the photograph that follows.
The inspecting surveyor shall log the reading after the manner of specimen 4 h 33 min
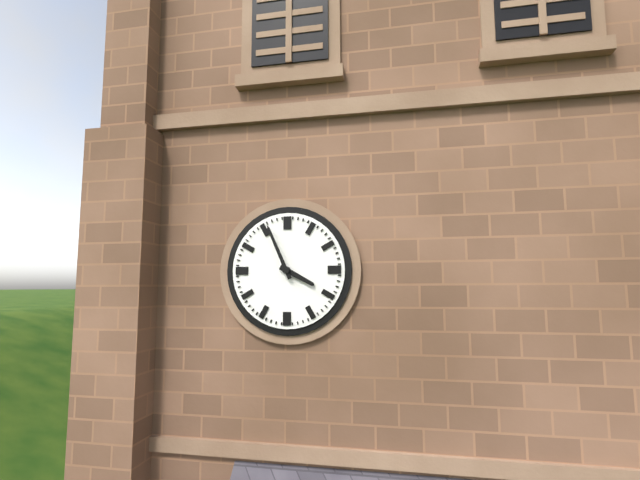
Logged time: 3 h 56 min
